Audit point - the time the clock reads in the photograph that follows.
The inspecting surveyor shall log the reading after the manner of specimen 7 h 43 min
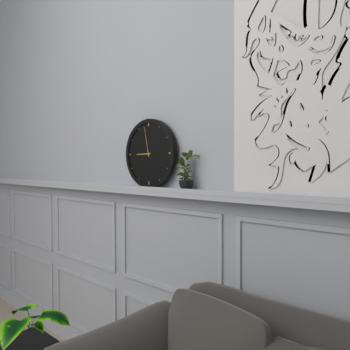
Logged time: 8 h 58 min
